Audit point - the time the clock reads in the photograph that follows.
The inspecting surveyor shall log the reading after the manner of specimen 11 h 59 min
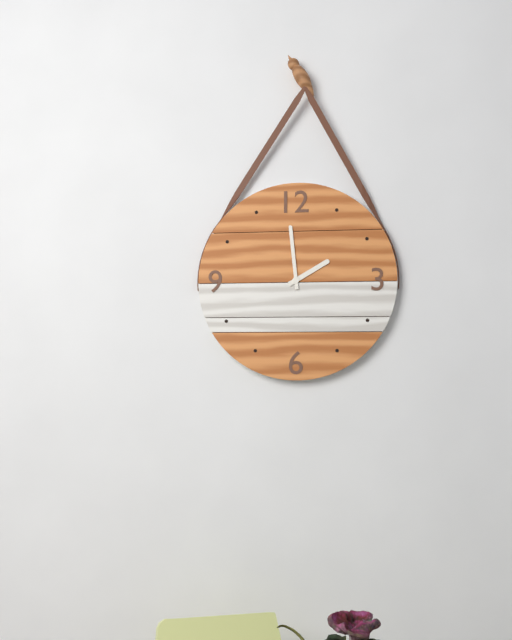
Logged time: 1 h 59 min
